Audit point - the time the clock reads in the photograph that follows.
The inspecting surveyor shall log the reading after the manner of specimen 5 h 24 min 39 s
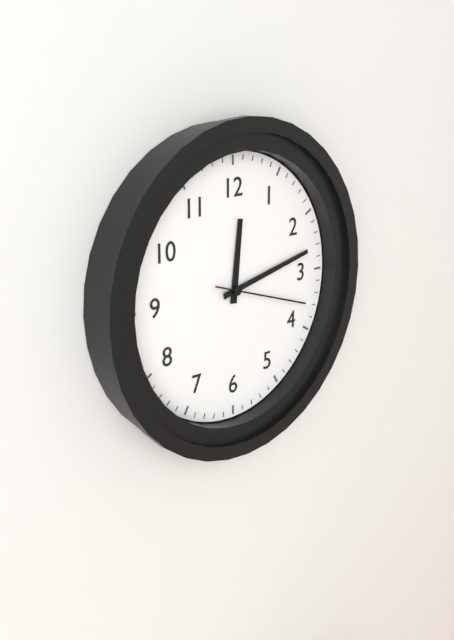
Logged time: 12 h 13 min 18 s
